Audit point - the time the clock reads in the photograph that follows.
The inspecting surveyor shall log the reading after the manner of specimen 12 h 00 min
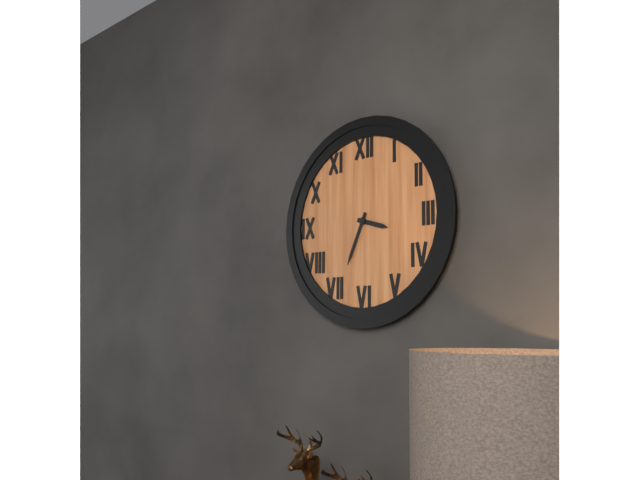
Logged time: 3 h 34 min
